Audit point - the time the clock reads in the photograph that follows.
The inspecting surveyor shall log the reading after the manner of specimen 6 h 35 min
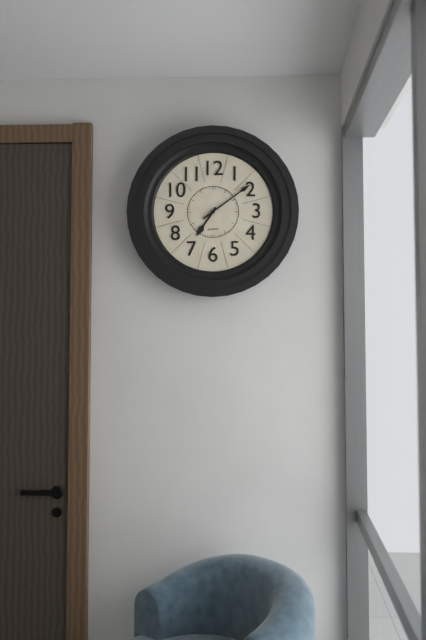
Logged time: 7 h 09 min
